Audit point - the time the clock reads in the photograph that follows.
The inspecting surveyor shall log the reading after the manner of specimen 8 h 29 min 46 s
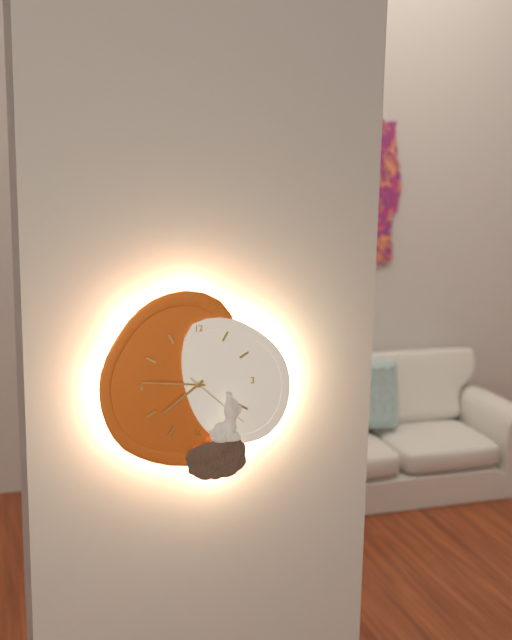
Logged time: 7 h 46 min 22 s
